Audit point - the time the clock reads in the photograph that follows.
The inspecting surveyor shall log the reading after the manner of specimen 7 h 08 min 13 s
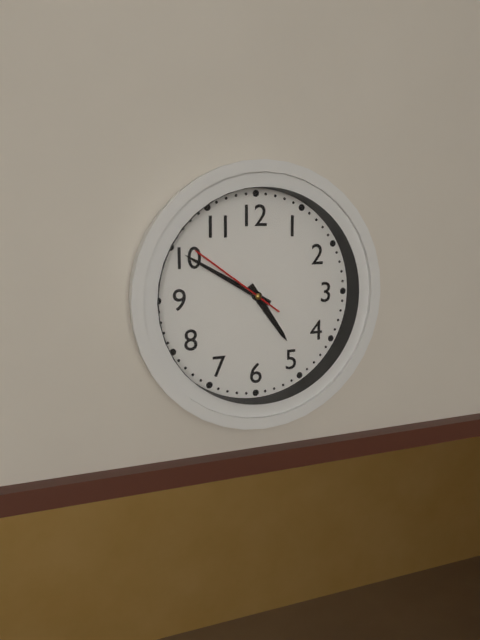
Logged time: 4 h 50 min 51 s
